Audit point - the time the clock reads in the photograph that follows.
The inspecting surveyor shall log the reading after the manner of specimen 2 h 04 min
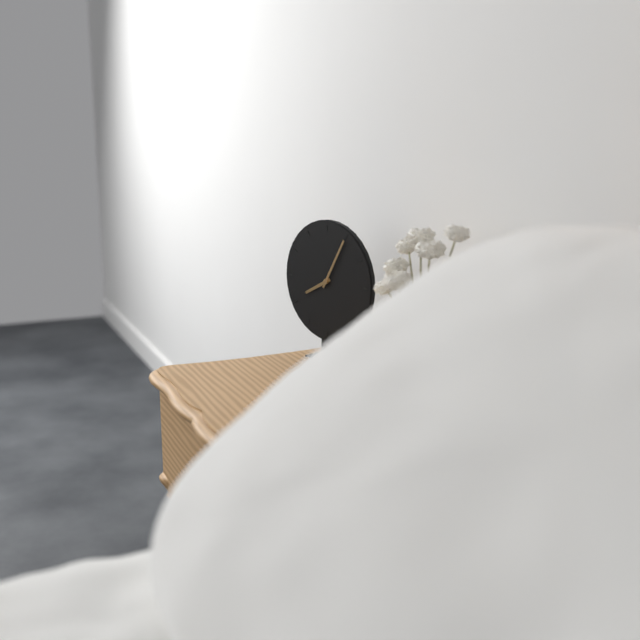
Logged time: 8 h 05 min
